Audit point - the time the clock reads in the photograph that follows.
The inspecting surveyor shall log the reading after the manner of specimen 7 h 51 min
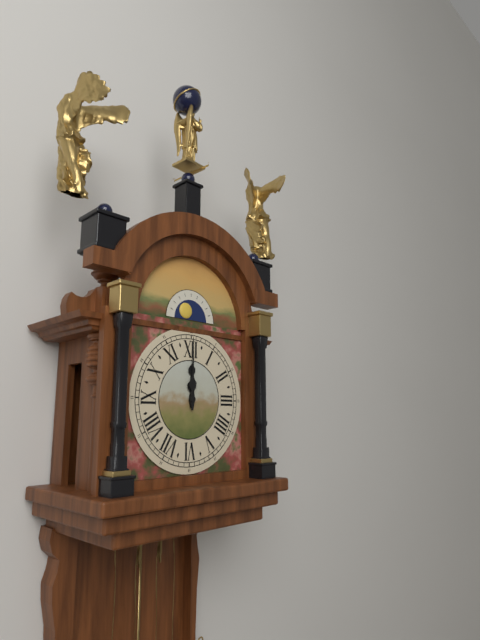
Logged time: 12 h 00 min
